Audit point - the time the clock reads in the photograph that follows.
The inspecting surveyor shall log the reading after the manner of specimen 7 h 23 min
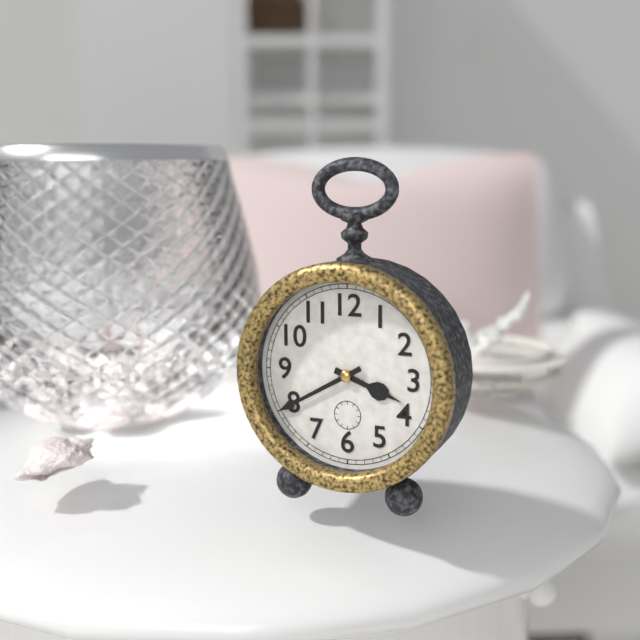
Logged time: 3 h 40 min
